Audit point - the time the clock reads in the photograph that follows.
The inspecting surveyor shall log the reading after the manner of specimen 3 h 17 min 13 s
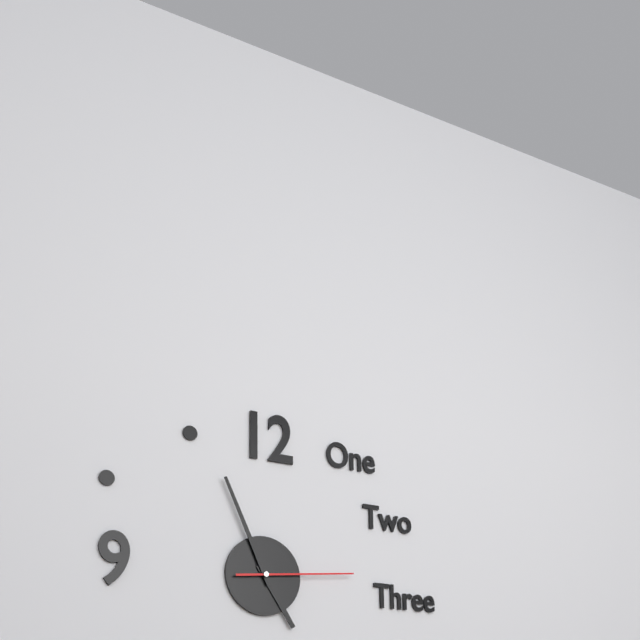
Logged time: 4 h 56 min 14 s
